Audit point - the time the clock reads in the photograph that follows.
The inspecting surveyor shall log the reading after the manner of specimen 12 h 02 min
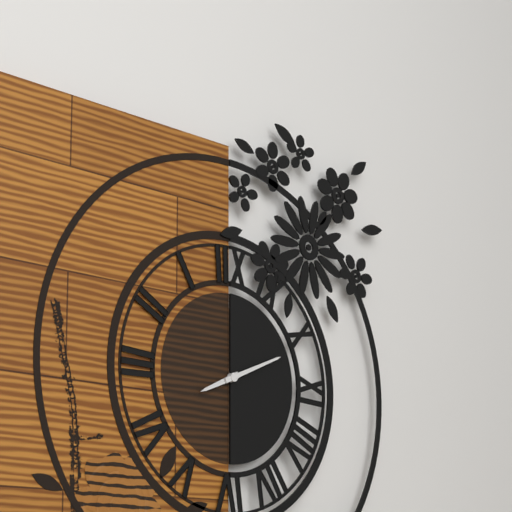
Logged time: 8 h 11 min
